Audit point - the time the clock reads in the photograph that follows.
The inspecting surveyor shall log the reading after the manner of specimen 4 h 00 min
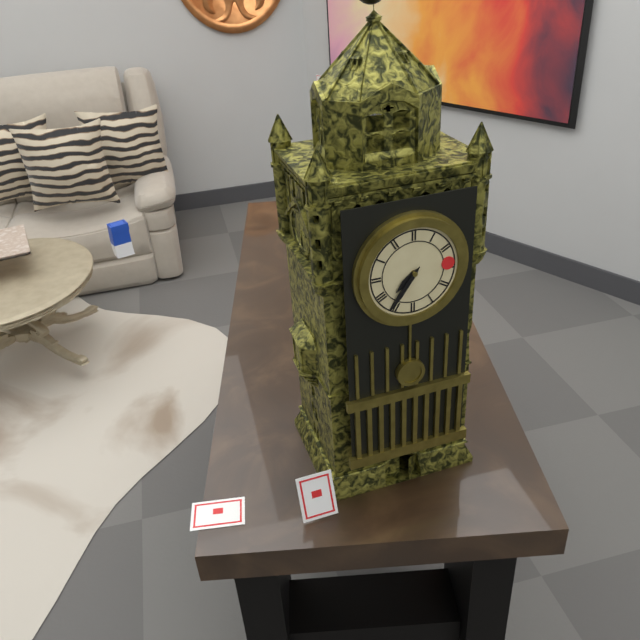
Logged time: 7 h 36 min
